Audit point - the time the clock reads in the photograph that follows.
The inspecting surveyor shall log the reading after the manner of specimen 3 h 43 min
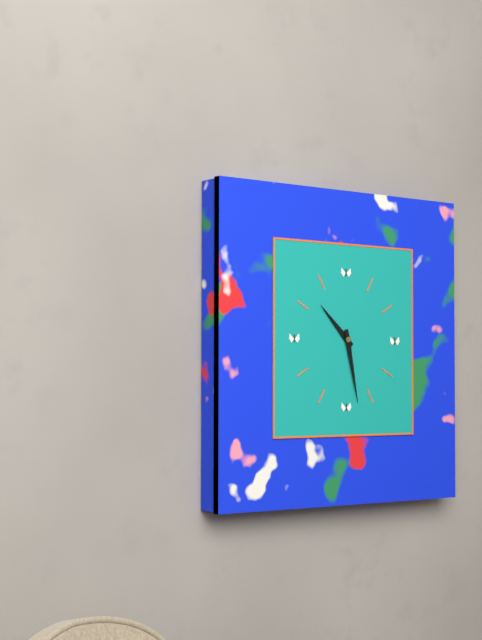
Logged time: 10 h 28 min
